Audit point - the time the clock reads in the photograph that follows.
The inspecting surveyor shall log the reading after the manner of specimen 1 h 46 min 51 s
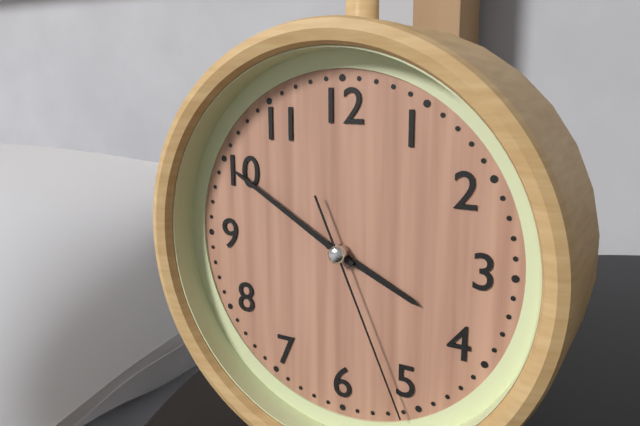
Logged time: 3 h 50 min 26 s
